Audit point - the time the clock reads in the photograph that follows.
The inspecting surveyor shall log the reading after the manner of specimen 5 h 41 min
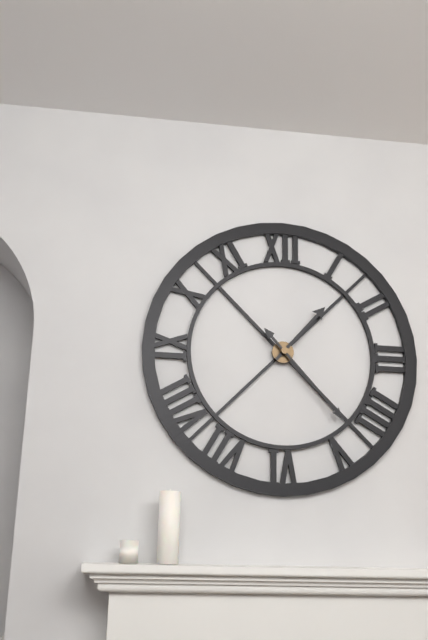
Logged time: 1 h 23 min
